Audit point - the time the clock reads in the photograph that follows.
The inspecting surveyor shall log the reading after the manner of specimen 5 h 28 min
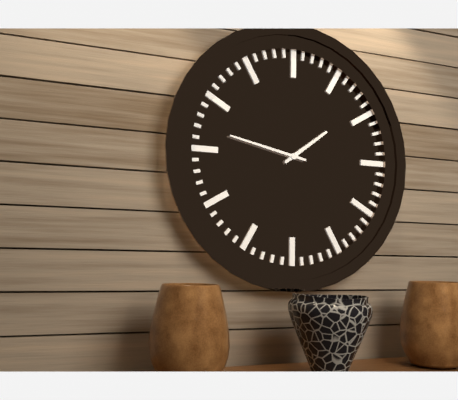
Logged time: 1 h 47 min
